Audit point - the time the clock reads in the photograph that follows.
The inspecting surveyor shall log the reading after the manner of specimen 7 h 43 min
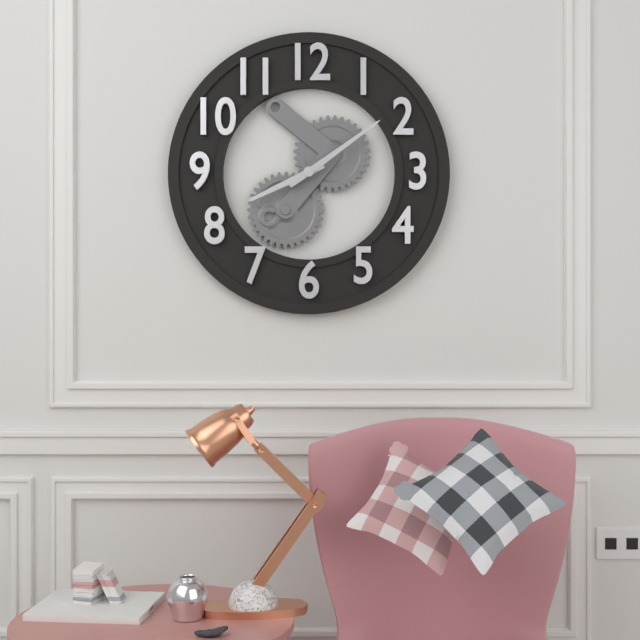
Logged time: 8 h 09 min
